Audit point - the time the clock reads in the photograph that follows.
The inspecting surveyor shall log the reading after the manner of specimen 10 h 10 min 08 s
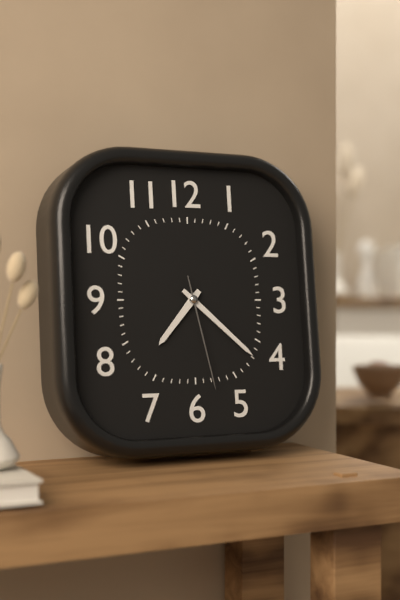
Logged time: 7 h 22 min 28 s
